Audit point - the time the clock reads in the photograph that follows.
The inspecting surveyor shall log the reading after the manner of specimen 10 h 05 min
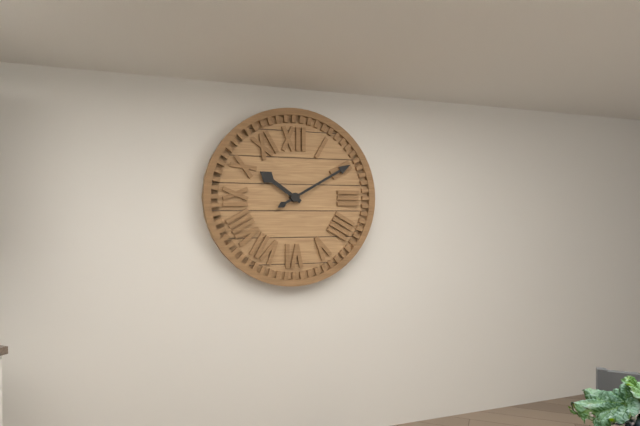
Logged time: 10 h 10 min
